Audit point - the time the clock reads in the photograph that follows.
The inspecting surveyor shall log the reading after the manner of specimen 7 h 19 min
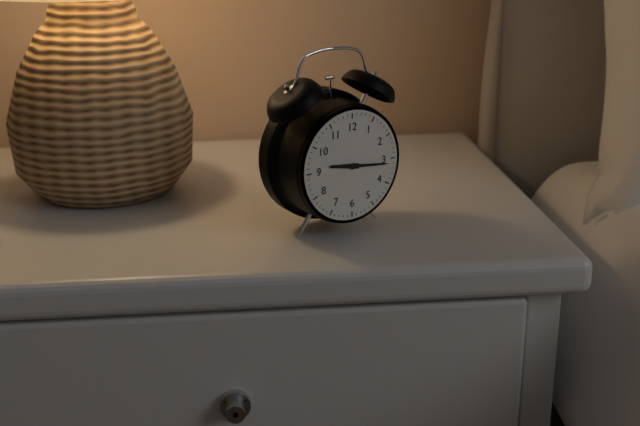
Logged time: 9 h 16 min
